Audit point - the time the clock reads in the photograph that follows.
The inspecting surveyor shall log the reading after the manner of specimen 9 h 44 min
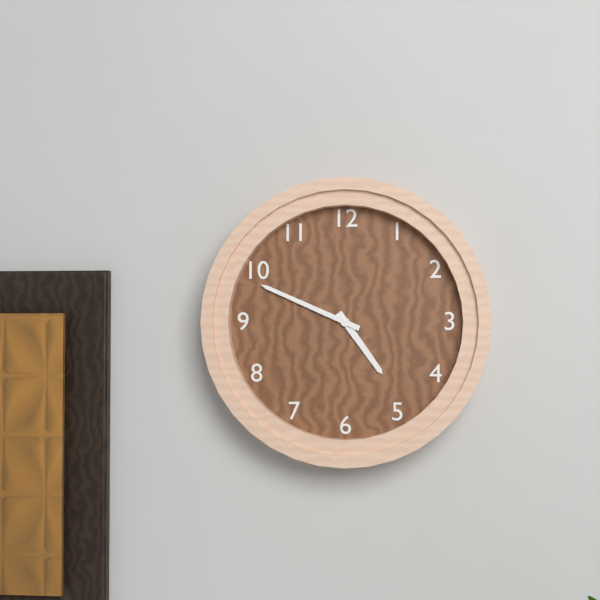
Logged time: 4 h 49 min
